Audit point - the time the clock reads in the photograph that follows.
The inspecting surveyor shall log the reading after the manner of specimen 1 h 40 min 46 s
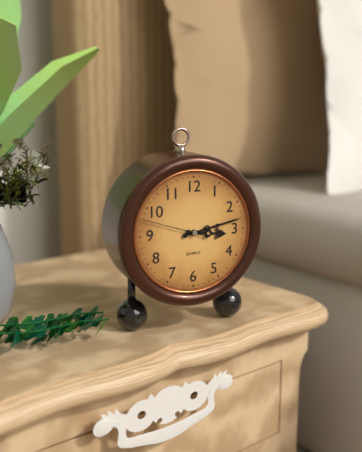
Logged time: 3 h 13 min 48 s
